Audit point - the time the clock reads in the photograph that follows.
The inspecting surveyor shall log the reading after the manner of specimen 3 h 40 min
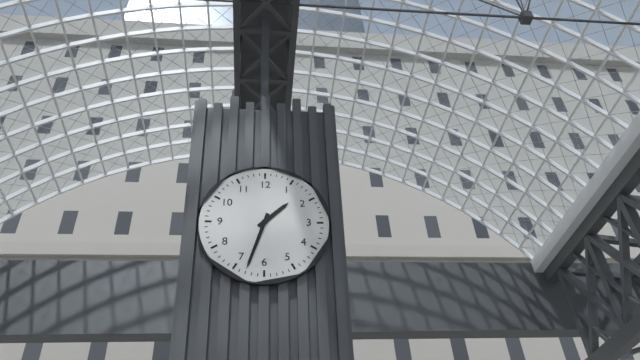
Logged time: 1 h 33 min
